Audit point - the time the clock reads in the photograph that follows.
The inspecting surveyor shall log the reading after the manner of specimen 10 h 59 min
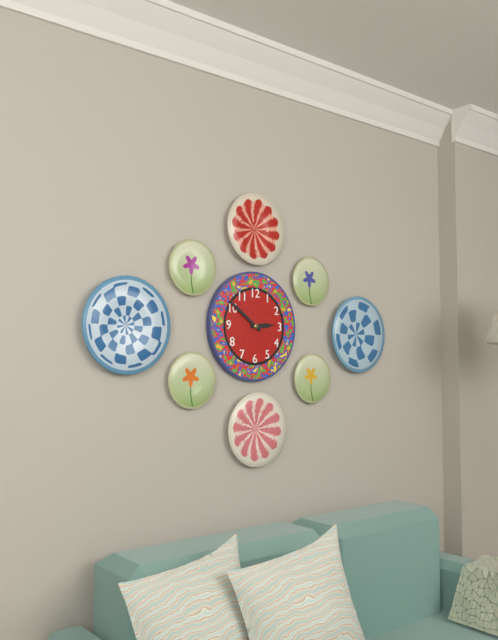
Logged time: 2 h 51 min
